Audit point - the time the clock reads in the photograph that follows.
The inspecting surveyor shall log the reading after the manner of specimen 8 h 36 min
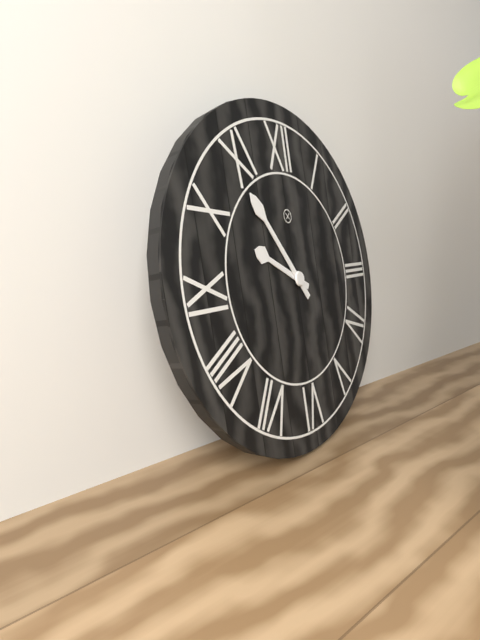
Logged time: 9 h 54 min
